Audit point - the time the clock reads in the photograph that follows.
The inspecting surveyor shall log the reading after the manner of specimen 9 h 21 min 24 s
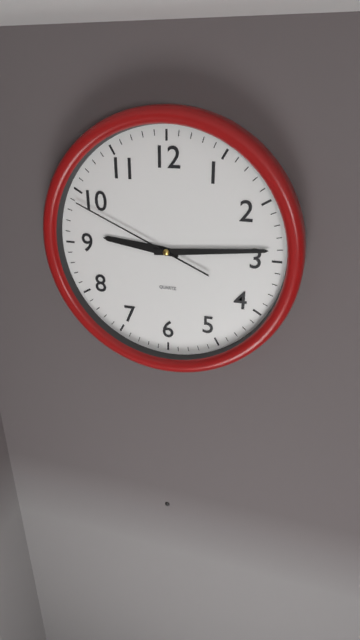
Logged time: 9 h 14 min 49 s
